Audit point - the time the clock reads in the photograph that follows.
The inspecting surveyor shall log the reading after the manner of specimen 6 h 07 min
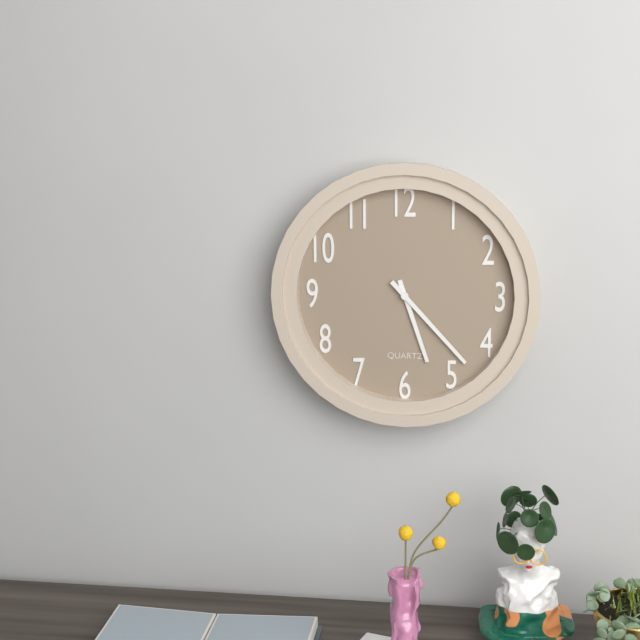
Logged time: 5 h 23 min
